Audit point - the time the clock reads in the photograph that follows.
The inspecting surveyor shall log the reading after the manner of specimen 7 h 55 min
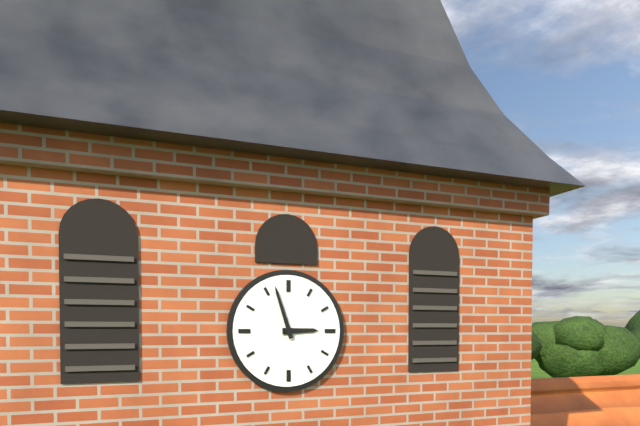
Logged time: 2 h 57 min
